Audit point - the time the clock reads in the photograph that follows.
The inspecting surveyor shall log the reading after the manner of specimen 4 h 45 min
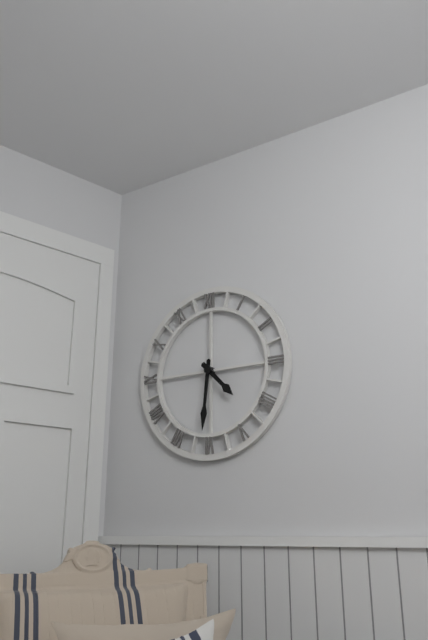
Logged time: 4 h 31 min
